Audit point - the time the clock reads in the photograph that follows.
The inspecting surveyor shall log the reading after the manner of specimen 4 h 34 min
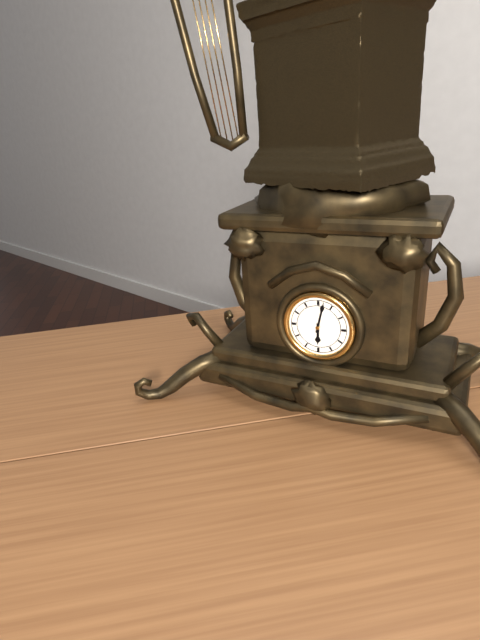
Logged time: 6 h 02 min
